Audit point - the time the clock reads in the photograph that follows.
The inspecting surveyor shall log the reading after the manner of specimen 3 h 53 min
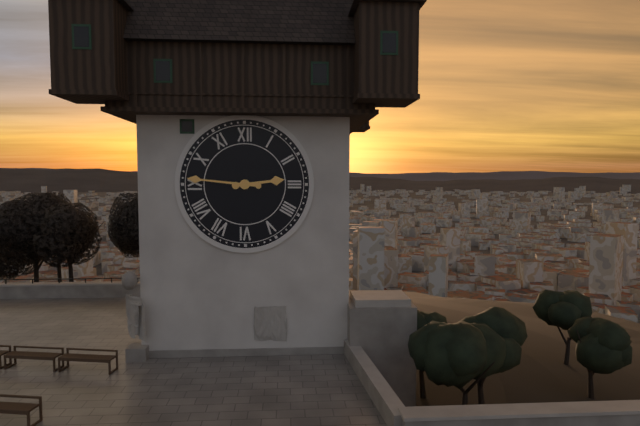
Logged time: 2 h 46 min
